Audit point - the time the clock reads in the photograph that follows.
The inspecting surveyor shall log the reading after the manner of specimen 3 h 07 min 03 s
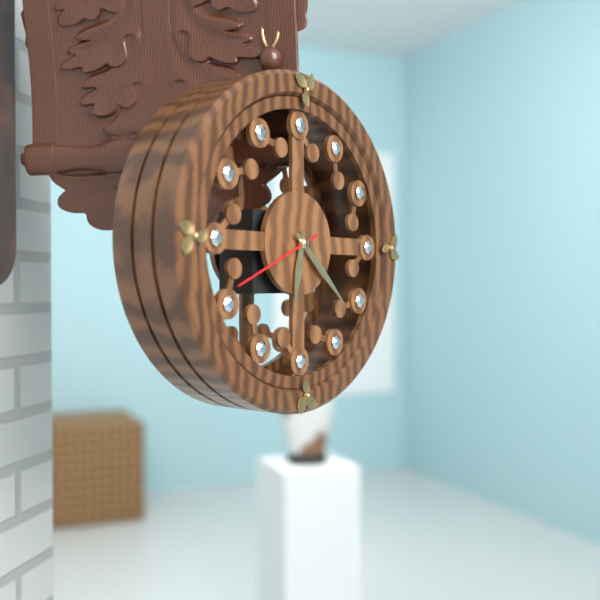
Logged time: 6 h 22 min 41 s
